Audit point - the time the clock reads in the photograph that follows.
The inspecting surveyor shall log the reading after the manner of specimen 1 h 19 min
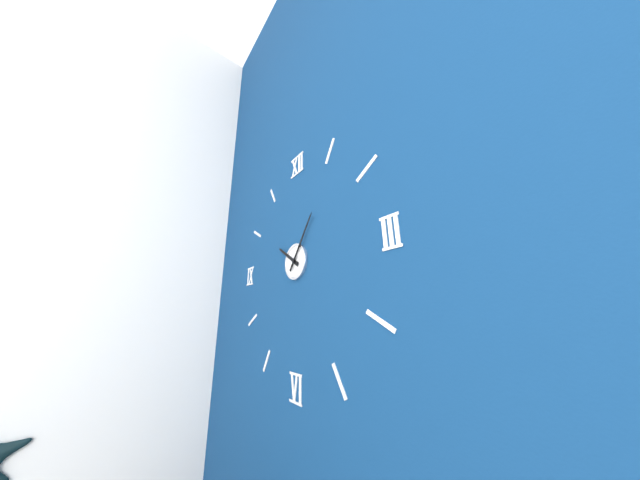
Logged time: 10 h 06 min
